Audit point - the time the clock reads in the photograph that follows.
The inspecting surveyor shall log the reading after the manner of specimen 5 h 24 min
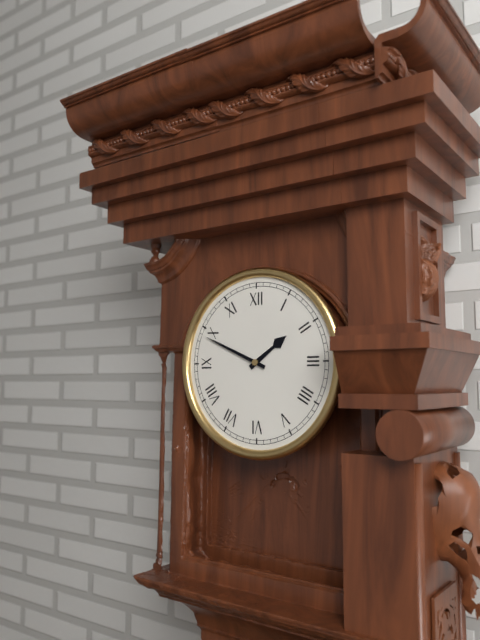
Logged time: 1 h 49 min
